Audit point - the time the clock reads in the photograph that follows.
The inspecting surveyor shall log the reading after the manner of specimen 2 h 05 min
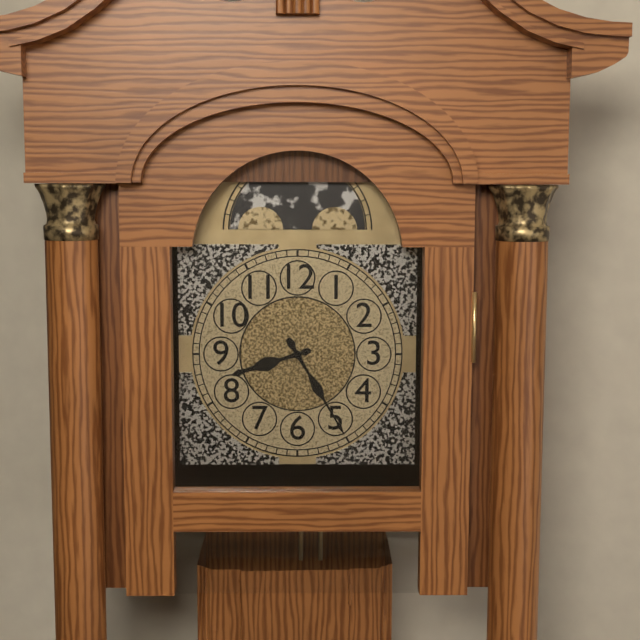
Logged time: 8 h 25 min
